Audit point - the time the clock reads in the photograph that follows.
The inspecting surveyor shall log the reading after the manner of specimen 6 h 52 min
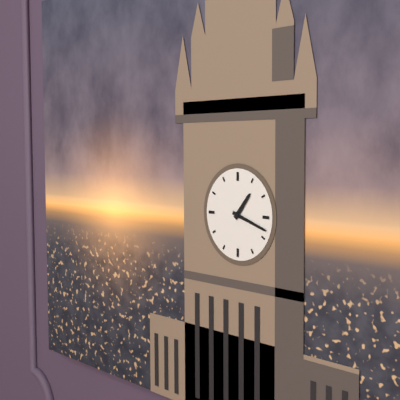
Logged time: 1 h 18 min
